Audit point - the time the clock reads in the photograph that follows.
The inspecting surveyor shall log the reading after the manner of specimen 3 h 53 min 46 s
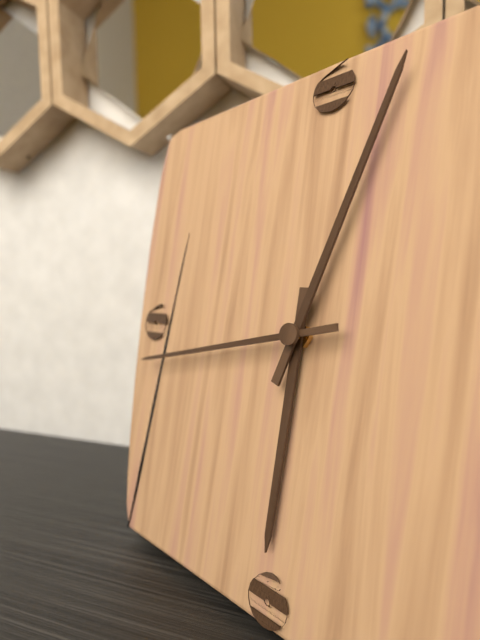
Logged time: 6 h 03 min 43 s
